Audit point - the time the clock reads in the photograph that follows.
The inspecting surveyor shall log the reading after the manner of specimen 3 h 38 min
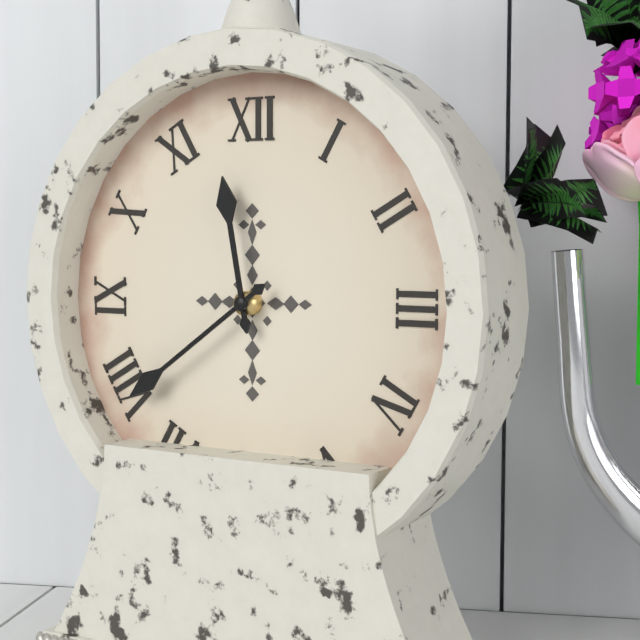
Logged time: 11 h 39 min
